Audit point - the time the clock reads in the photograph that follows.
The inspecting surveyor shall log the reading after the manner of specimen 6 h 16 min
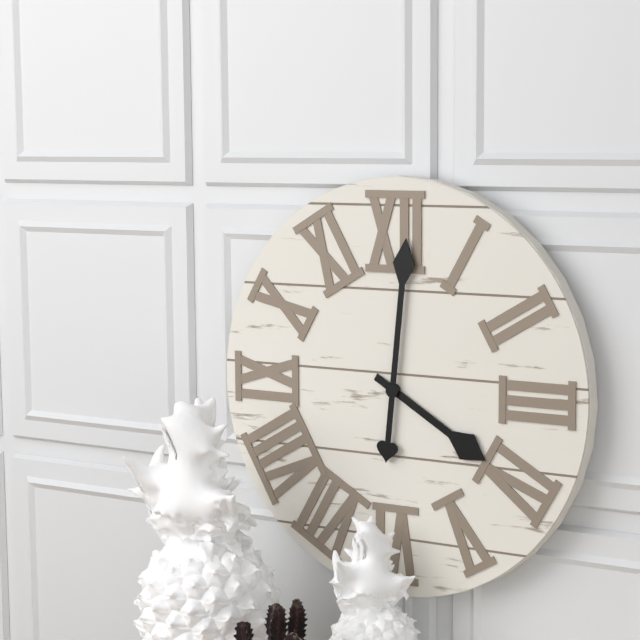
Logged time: 4 h 01 min
